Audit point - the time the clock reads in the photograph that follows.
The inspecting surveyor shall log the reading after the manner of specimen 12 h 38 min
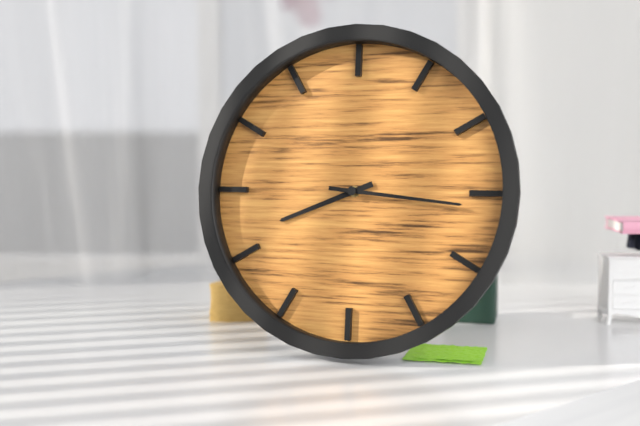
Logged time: 8 h 16 min
